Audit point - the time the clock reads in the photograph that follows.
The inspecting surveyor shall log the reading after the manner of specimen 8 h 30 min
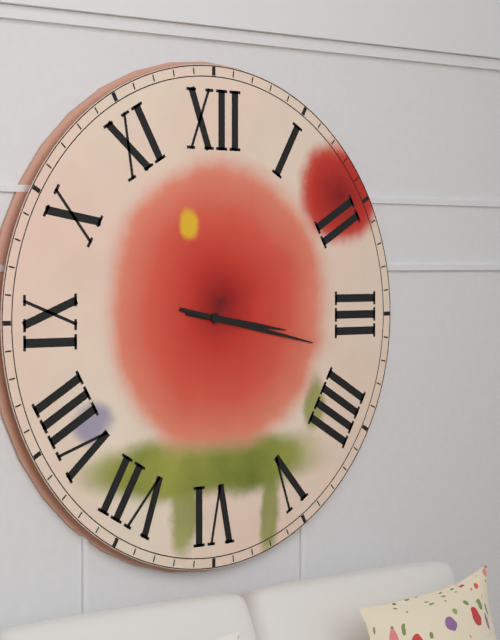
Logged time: 3 h 17 min
